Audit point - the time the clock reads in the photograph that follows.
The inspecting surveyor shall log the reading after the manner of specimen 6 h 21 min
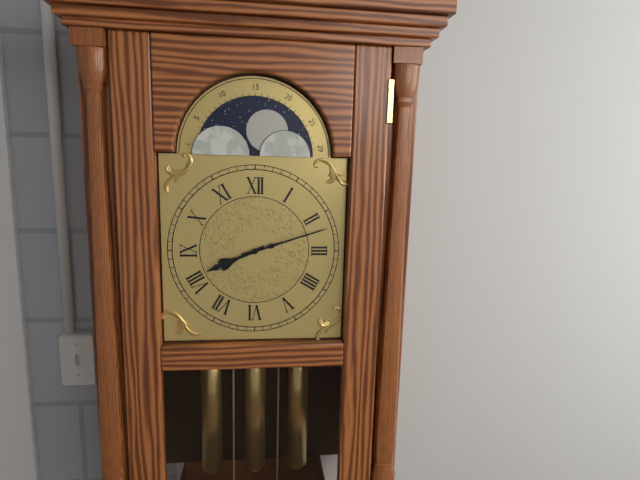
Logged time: 8 h 12 min
